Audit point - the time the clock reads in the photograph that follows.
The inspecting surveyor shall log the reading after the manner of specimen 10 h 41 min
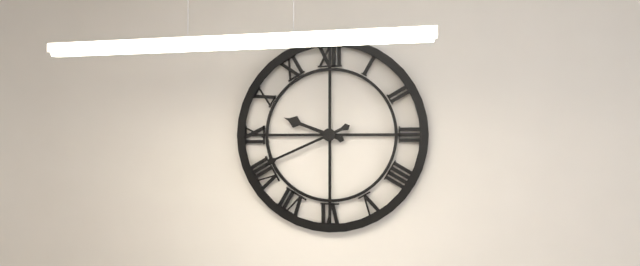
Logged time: 9 h 41 min
